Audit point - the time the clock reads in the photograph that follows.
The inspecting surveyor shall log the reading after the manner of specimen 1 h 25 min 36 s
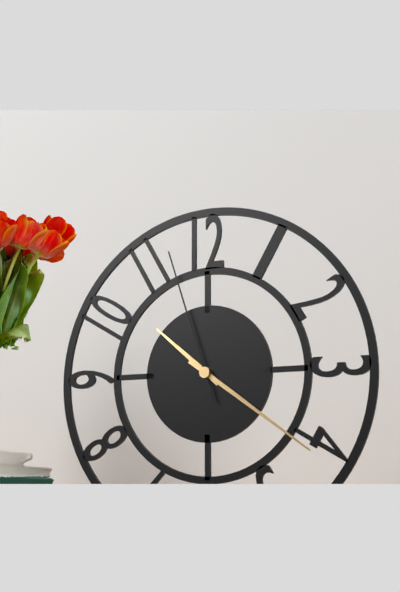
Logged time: 10 h 21 min 57 s
